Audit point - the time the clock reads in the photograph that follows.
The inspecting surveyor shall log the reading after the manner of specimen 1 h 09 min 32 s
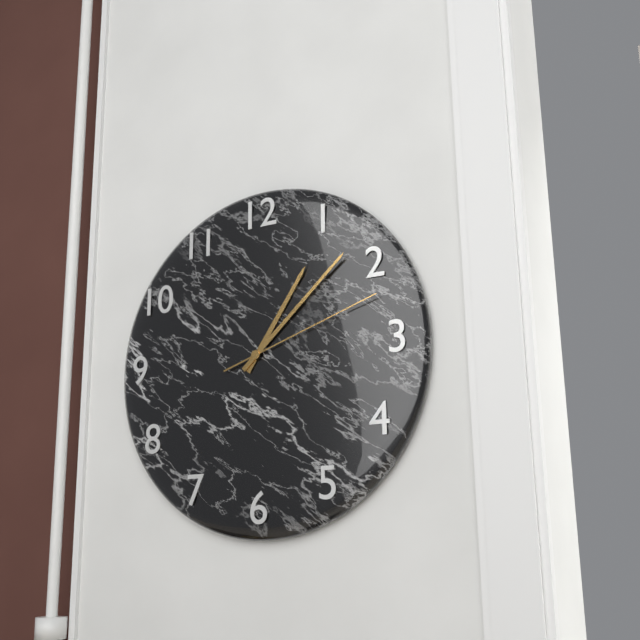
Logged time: 1 h 08 min 12 s
